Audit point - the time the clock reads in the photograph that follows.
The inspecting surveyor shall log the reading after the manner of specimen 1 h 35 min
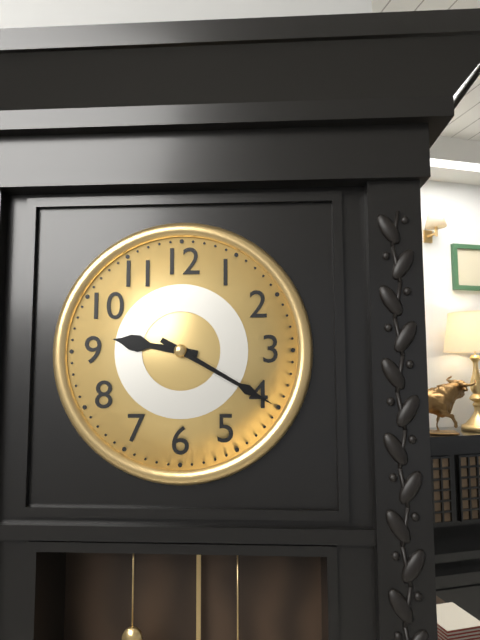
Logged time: 9 h 20 min
